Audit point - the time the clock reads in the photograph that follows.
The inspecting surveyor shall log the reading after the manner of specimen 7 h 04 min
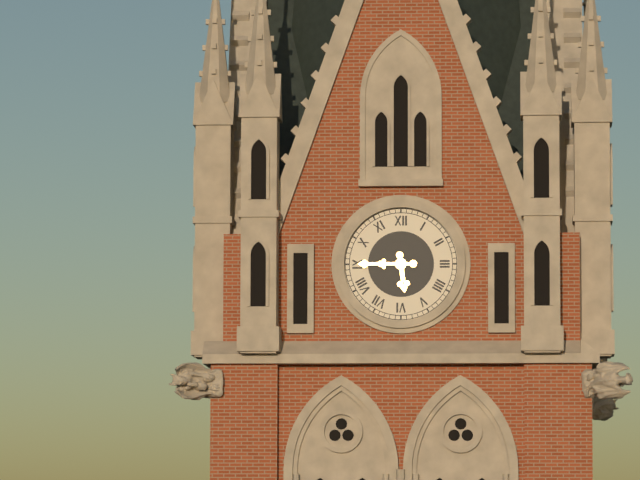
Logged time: 5 h 45 min
